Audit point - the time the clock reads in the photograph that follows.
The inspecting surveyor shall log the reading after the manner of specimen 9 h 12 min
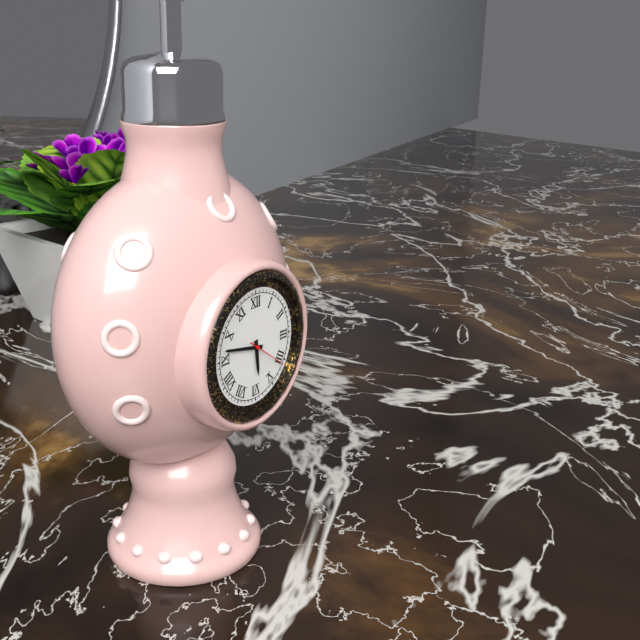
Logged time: 5 h 47 min
